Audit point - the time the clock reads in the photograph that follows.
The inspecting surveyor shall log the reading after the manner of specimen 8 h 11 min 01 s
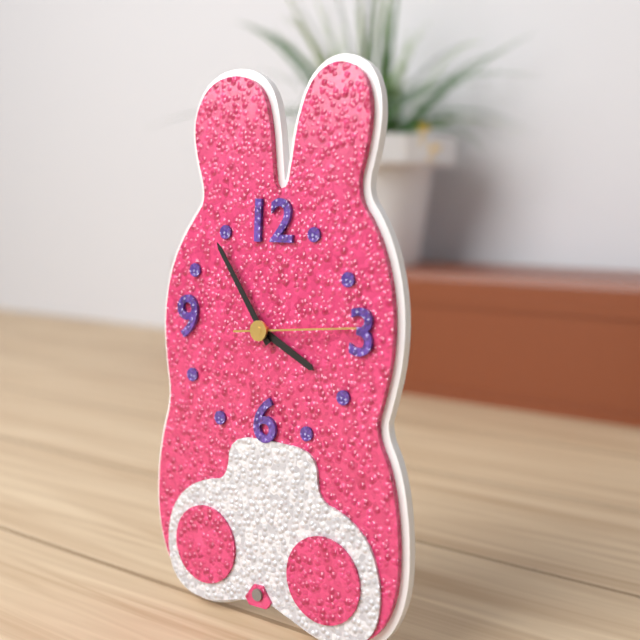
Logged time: 3 h 54 min 14 s
